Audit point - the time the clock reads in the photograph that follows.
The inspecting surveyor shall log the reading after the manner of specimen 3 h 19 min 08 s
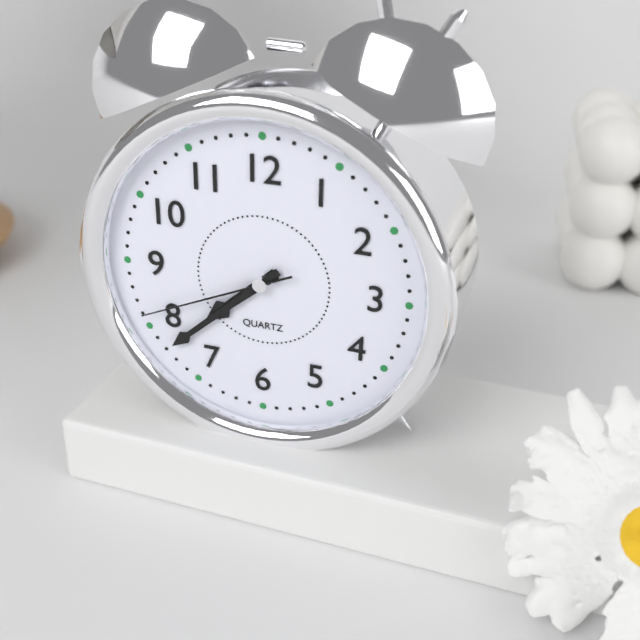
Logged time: 7 h 38 min 41 s
